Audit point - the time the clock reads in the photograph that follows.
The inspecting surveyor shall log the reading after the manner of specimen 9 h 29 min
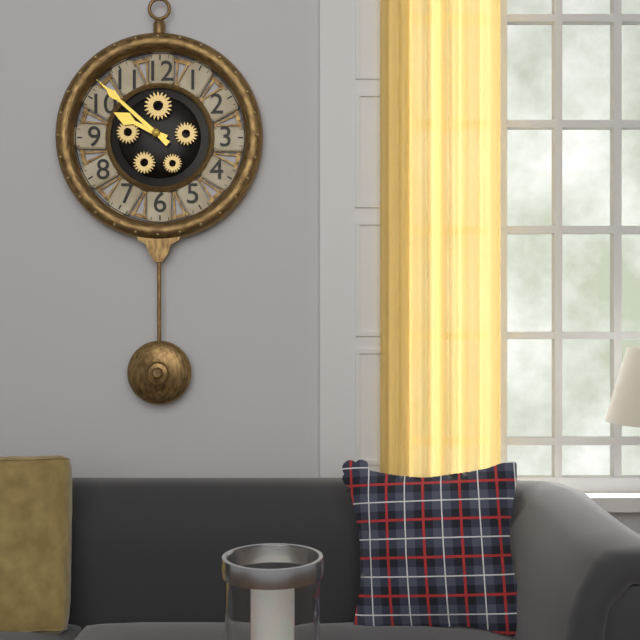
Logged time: 9 h 52 min
